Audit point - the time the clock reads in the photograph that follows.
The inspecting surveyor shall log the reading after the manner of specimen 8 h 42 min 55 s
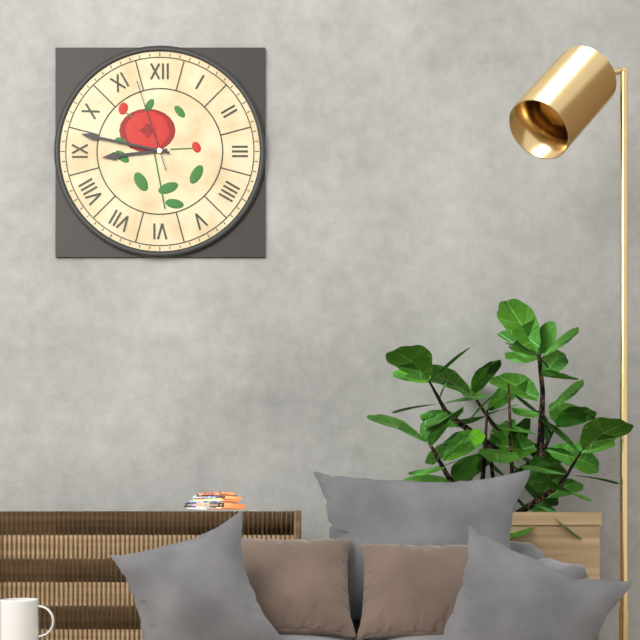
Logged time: 8 h 47 min 57 s
